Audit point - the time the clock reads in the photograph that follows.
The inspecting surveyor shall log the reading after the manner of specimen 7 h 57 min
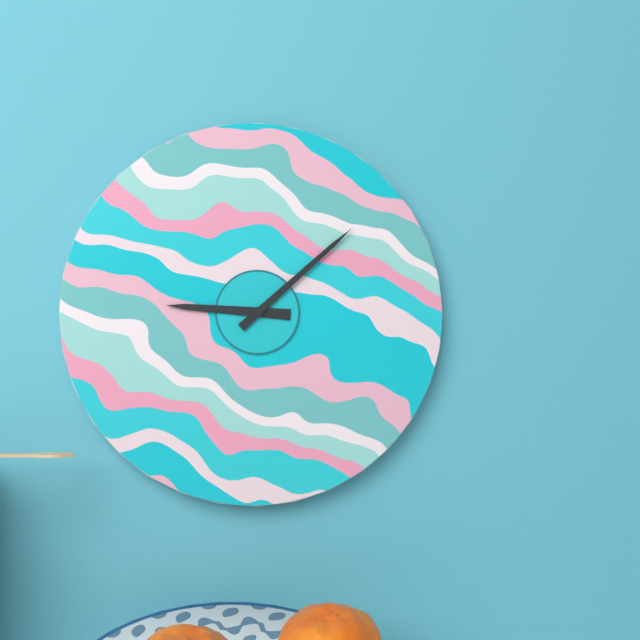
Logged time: 9 h 08 min
